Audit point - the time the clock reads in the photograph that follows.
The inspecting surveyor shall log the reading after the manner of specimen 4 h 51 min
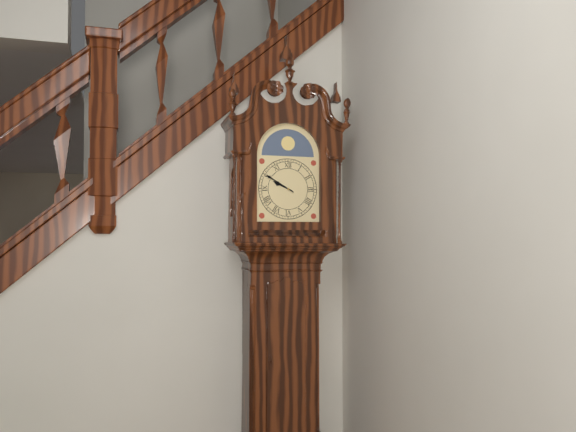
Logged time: 9 h 50 min
